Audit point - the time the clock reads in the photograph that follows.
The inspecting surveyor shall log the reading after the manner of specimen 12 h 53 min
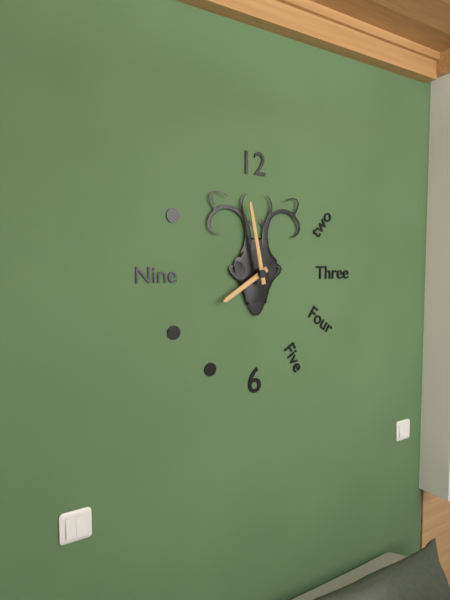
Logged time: 7 h 58 min
